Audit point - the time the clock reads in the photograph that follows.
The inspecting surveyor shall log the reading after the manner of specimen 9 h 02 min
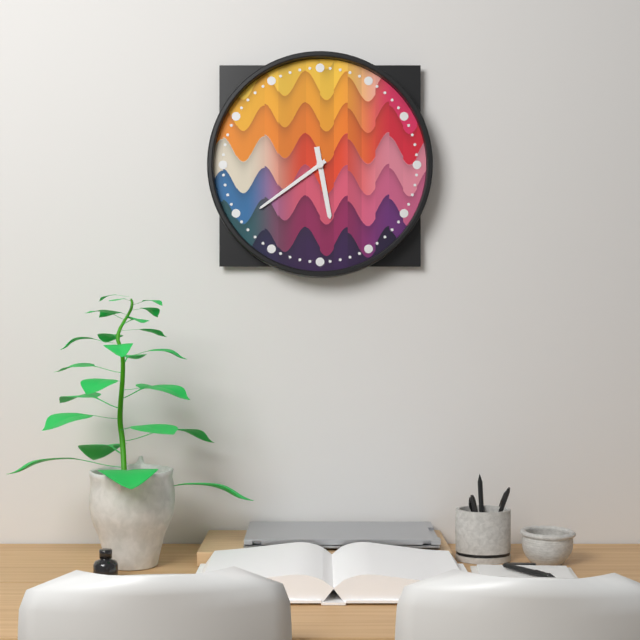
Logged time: 5 h 39 min
